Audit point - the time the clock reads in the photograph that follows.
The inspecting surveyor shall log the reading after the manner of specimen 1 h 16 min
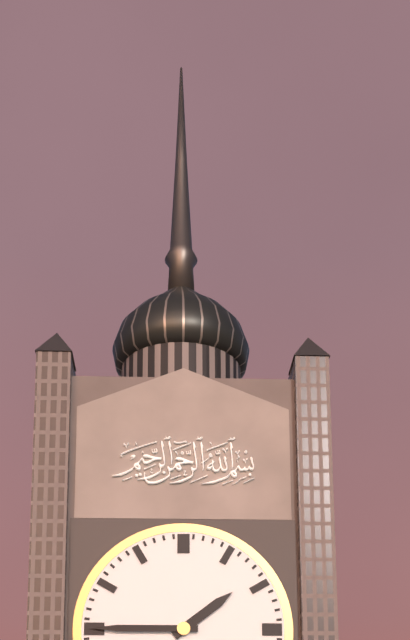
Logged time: 1 h 45 min
